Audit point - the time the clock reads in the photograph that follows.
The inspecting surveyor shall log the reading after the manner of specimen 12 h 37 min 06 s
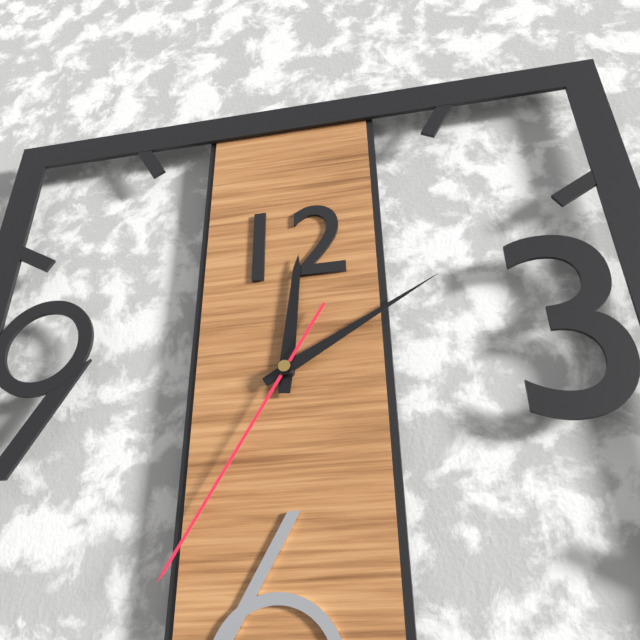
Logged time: 12 h 10 min 35 s
